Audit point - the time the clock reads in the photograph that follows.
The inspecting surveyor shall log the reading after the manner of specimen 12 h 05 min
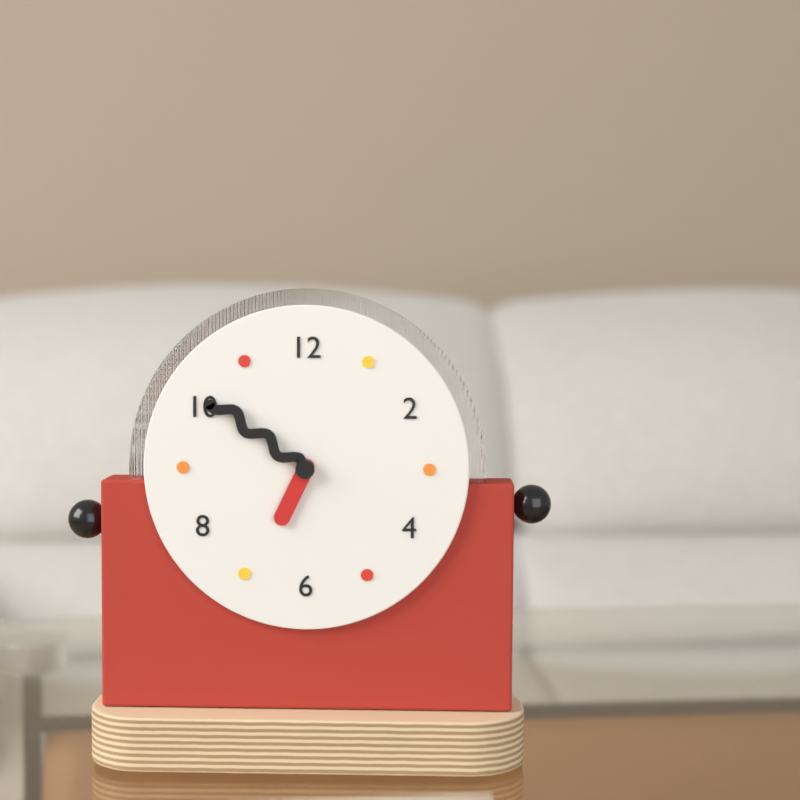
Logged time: 6 h 51 min
